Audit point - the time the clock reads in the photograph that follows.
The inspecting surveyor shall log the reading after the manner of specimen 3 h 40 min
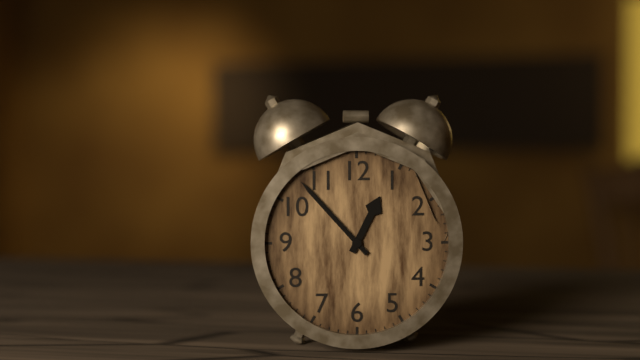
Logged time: 12 h 53 min
